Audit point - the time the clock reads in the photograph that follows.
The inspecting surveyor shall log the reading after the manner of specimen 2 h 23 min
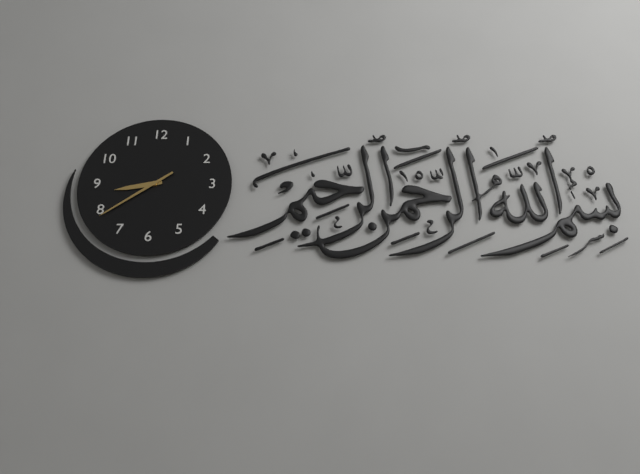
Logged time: 8 h 39 min
